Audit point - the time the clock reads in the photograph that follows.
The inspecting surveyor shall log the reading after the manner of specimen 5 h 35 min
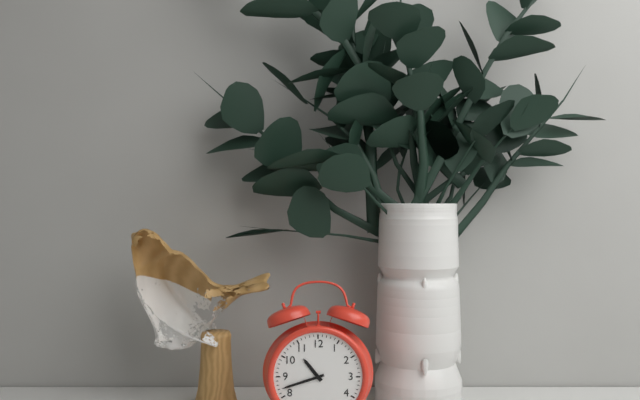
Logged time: 10 h 42 min
